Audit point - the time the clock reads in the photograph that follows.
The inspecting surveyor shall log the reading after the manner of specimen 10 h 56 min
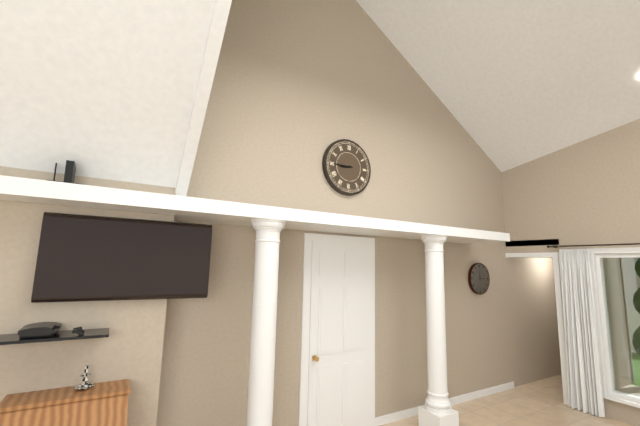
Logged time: 8 h 45 min
